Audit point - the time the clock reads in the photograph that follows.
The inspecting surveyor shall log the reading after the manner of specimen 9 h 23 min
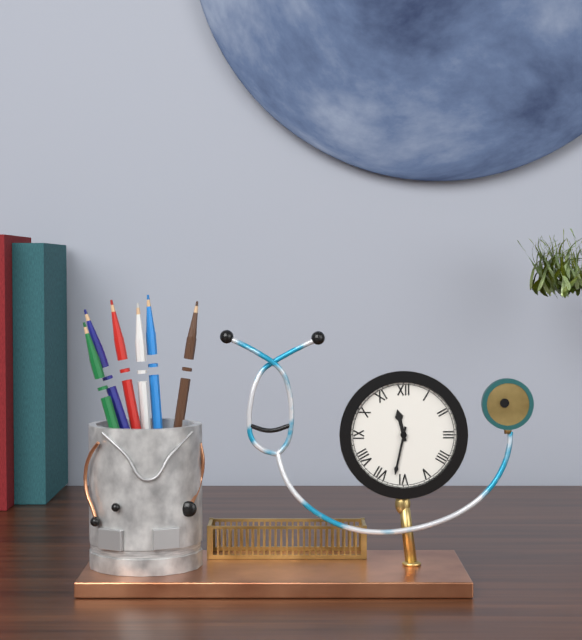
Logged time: 11 h 32 min
